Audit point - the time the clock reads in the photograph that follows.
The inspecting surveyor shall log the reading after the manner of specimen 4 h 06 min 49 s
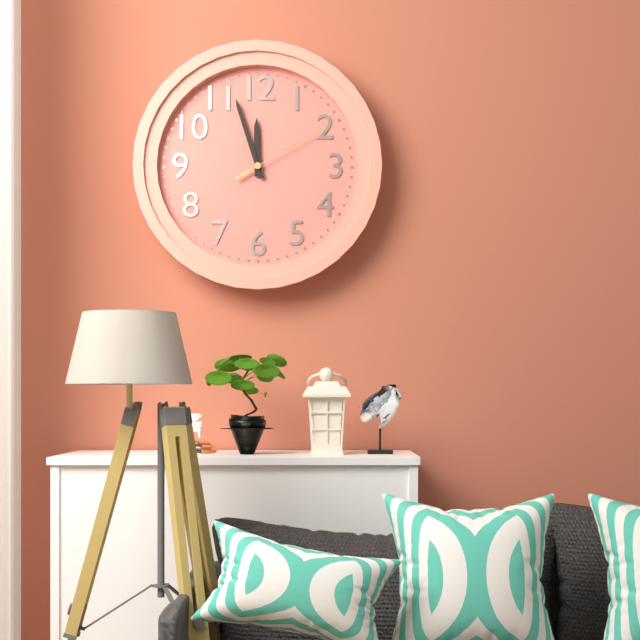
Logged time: 11 h 57 min 10 s
